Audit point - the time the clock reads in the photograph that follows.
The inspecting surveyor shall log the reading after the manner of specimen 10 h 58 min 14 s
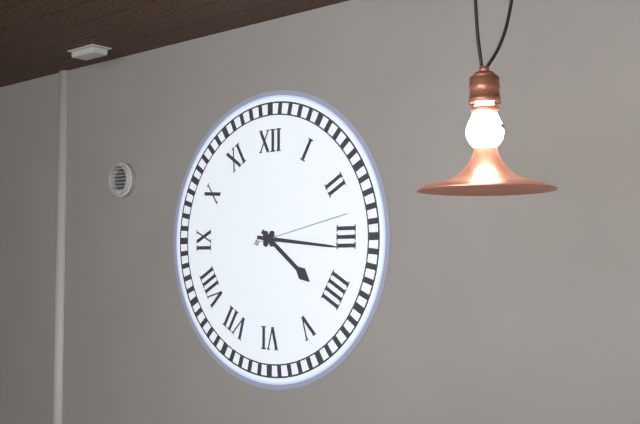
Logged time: 4 h 16 min 13 s
